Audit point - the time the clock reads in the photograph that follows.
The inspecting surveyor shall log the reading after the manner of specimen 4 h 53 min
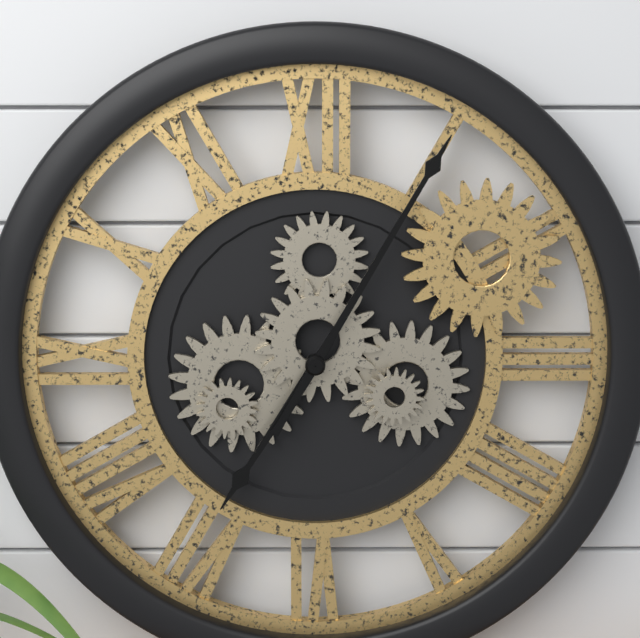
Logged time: 7 h 05 min
